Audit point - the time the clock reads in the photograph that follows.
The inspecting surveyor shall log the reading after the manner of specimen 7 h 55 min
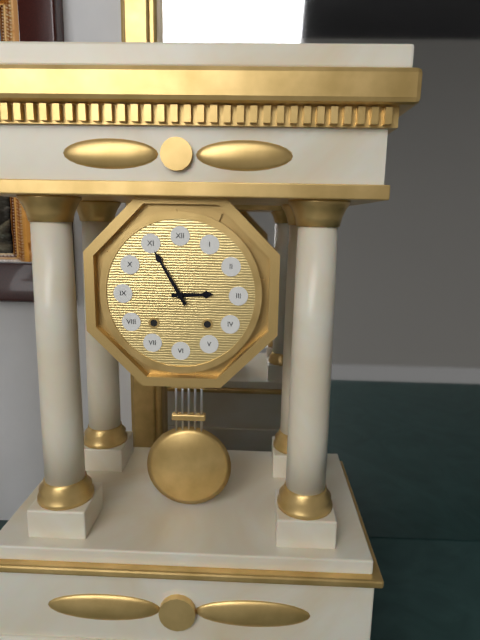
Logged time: 2 h 55 min
